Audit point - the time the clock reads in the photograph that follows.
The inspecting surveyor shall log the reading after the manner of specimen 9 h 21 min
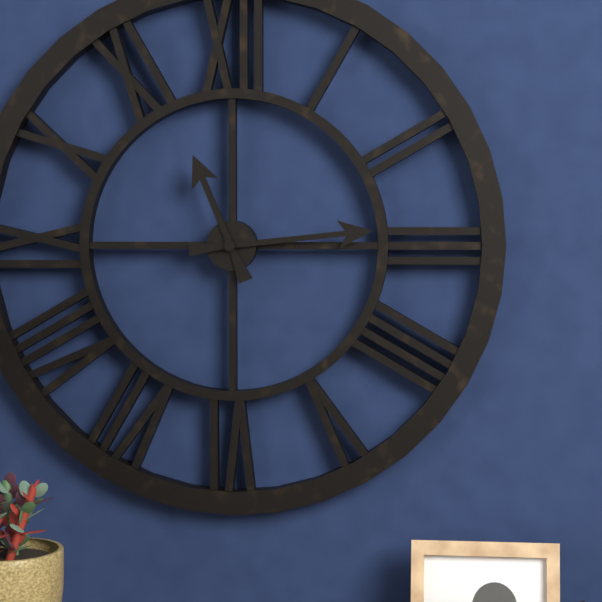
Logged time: 11 h 14 min
